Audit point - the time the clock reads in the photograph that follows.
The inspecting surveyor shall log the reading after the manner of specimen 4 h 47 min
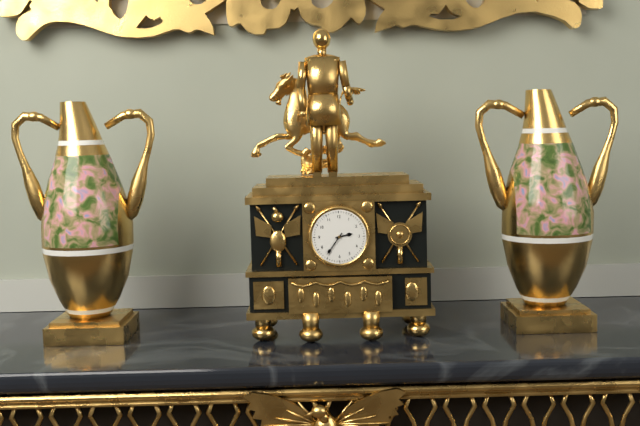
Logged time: 2 h 36 min
